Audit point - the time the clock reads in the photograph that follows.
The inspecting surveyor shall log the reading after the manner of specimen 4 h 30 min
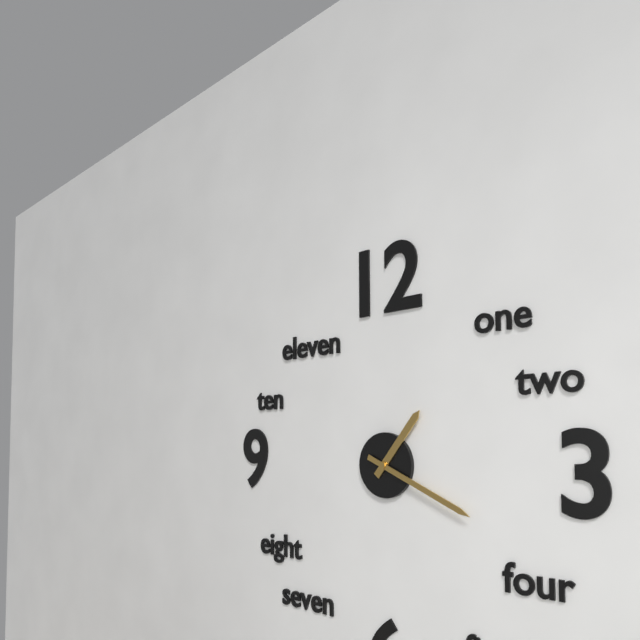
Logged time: 1 h 19 min
